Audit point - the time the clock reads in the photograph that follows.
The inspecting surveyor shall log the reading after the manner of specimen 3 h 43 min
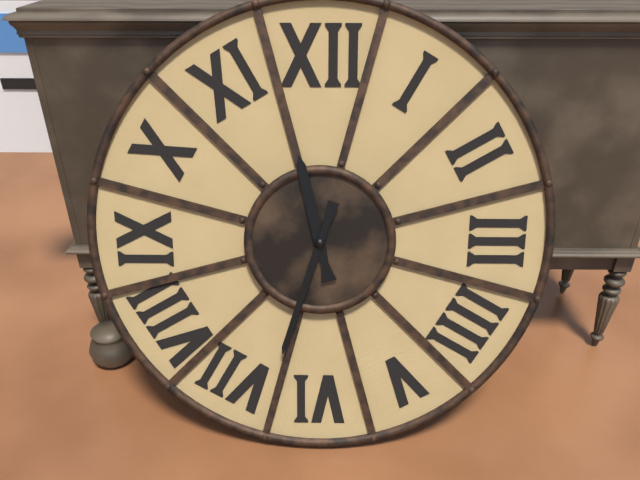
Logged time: 11 h 33 min
